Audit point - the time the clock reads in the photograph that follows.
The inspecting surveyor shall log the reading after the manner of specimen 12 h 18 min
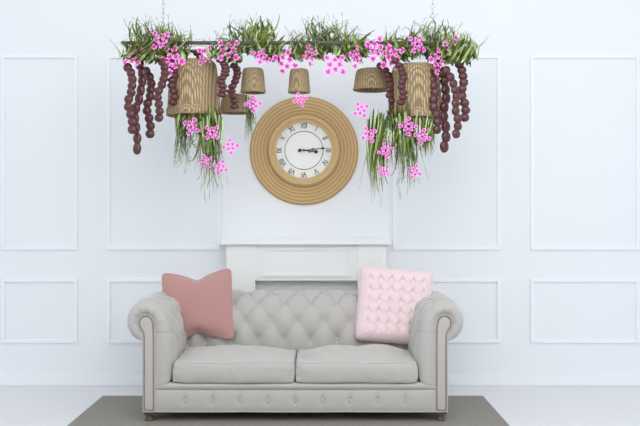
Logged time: 3 h 14 min
